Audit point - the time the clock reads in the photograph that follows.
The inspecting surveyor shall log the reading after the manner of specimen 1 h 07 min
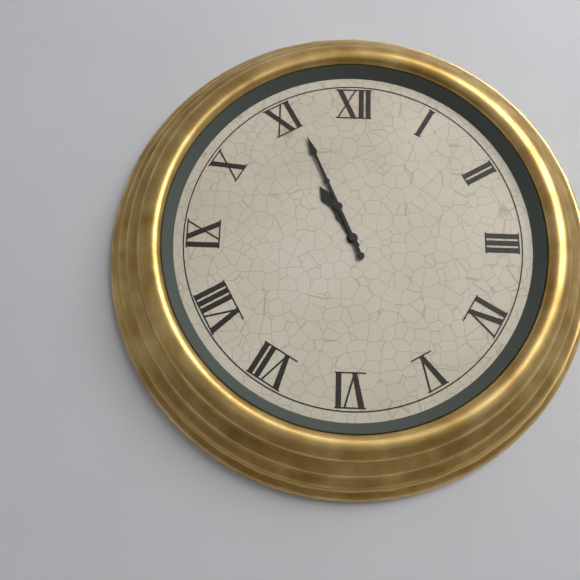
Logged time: 10 h 56 min
